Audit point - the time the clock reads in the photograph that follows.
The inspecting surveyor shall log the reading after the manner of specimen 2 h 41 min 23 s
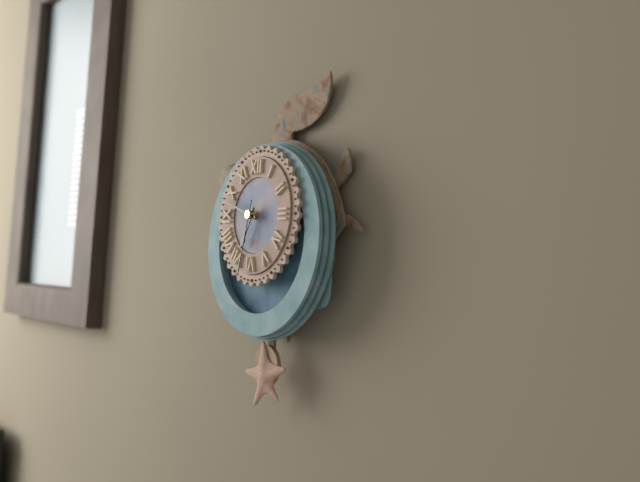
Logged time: 6 h 48 min 32 s
